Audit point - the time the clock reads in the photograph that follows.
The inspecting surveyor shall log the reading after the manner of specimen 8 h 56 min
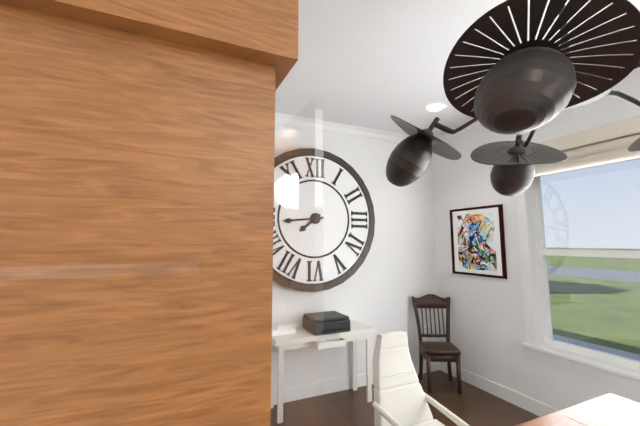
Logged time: 7 h 44 min
